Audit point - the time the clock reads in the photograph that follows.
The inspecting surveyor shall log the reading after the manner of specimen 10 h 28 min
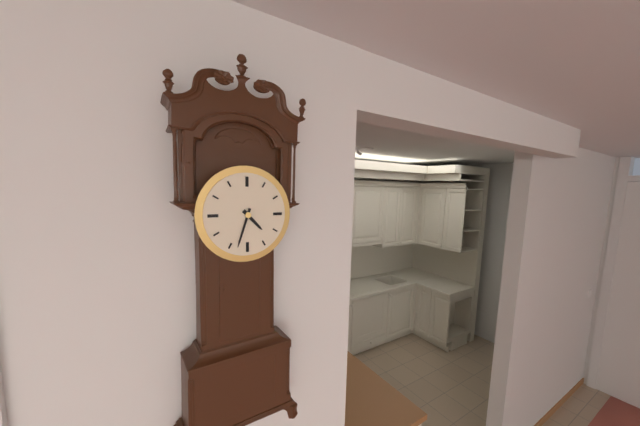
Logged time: 4 h 33 min
